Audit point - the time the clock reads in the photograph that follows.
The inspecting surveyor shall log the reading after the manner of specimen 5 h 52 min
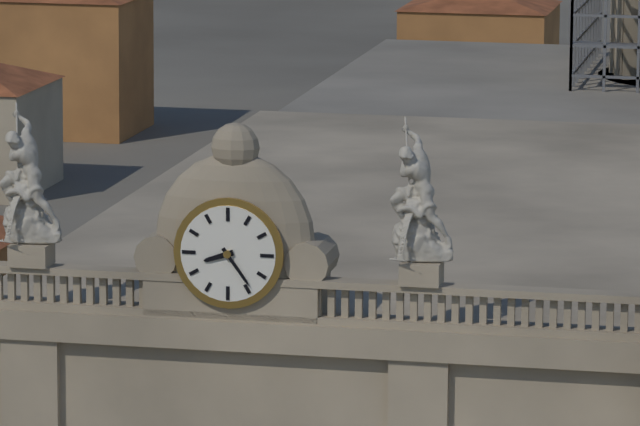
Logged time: 8 h 24 min
